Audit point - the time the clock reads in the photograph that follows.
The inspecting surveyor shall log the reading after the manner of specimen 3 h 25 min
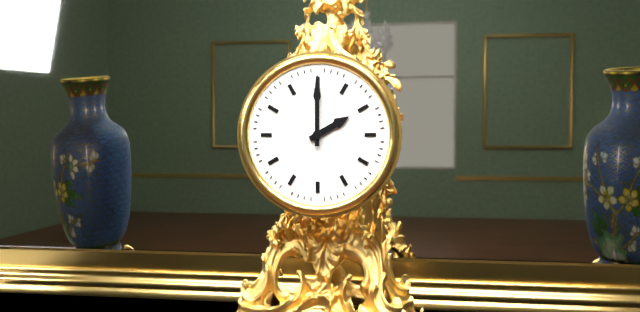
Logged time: 2 h 00 min
